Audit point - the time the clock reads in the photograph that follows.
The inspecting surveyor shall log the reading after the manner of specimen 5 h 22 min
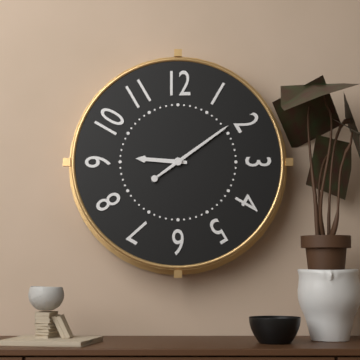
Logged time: 9 h 09 min
